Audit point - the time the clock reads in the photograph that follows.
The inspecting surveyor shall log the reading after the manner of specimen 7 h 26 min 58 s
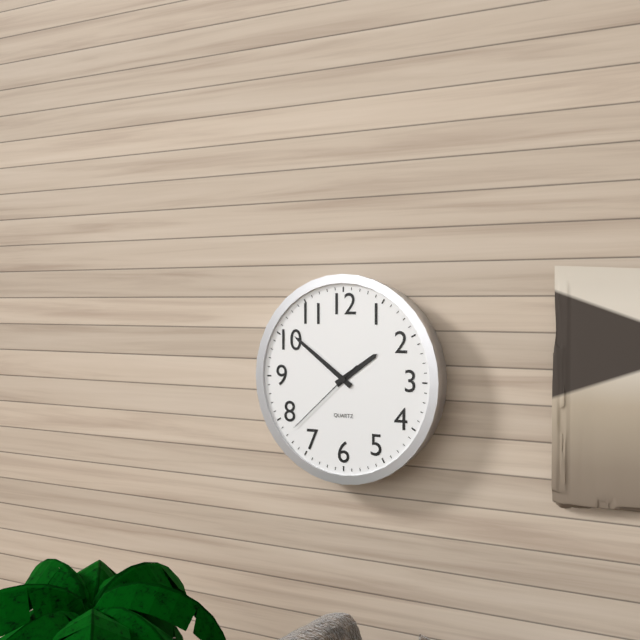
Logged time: 1 h 51 min 38 s
